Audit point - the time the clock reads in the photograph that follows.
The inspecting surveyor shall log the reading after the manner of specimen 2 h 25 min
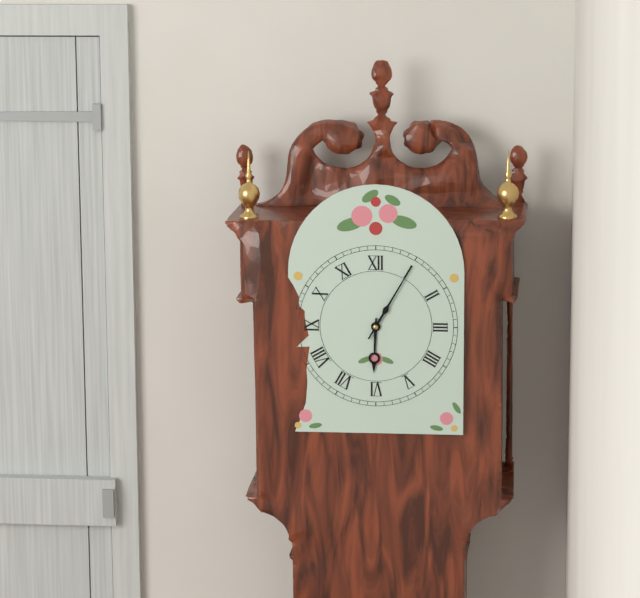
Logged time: 6 h 05 min
